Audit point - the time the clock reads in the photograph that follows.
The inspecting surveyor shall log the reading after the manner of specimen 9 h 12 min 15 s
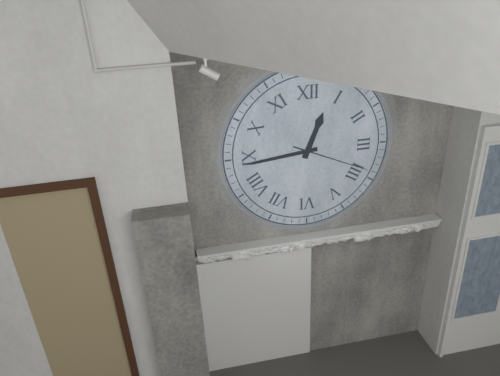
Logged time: 12 h 44 min 19 s
